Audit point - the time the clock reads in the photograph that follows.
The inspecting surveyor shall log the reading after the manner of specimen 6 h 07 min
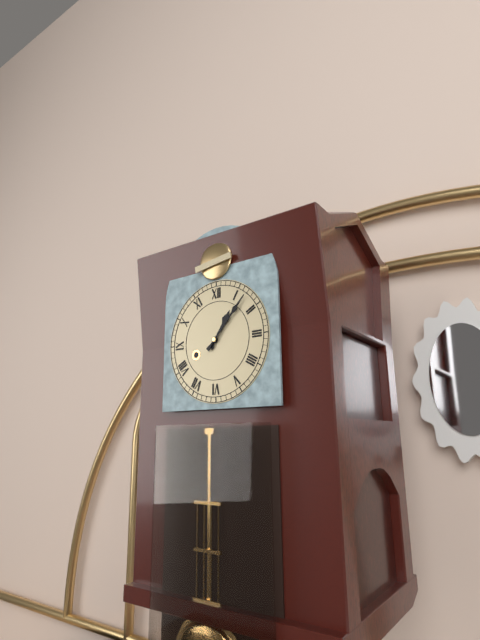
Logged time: 1 h 07 min
